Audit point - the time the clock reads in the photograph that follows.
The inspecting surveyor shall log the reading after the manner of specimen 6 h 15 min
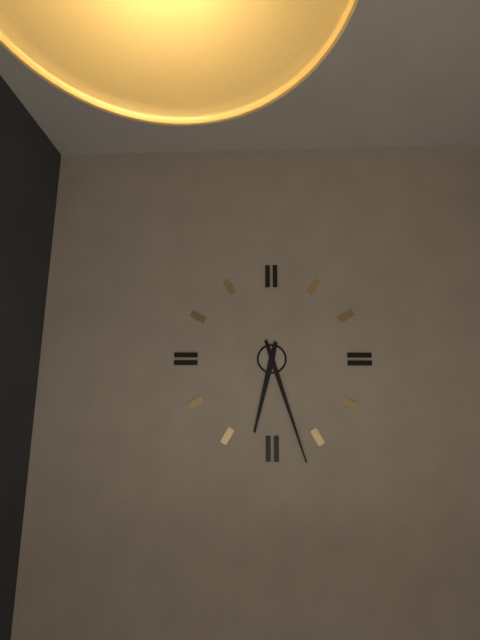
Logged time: 6 h 27 min
